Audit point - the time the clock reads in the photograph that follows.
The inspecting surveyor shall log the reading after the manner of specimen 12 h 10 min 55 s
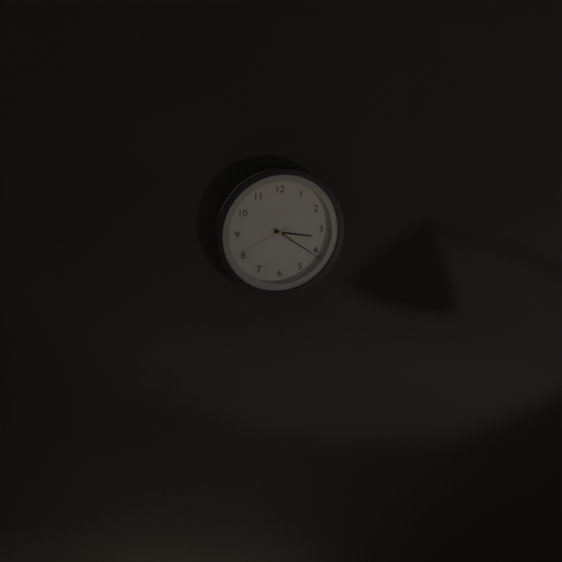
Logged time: 3 h 21 min 41 s
